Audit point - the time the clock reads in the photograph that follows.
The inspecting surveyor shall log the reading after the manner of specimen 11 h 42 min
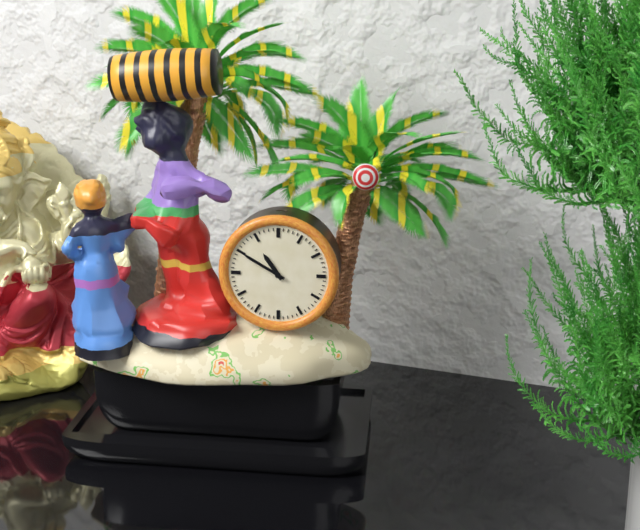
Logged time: 10 h 50 min
